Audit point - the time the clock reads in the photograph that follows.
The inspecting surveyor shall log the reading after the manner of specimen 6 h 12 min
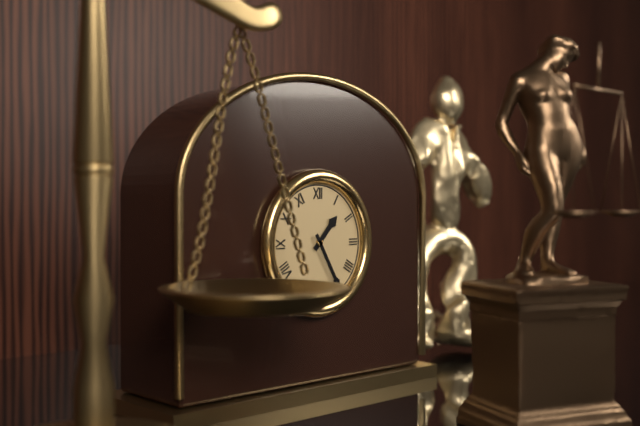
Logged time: 1 h 25 min
